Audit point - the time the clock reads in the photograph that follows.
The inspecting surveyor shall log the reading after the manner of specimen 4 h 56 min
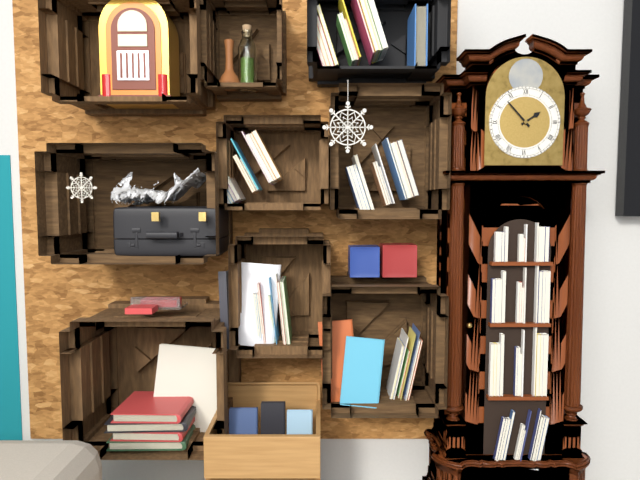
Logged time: 1 h 53 min
